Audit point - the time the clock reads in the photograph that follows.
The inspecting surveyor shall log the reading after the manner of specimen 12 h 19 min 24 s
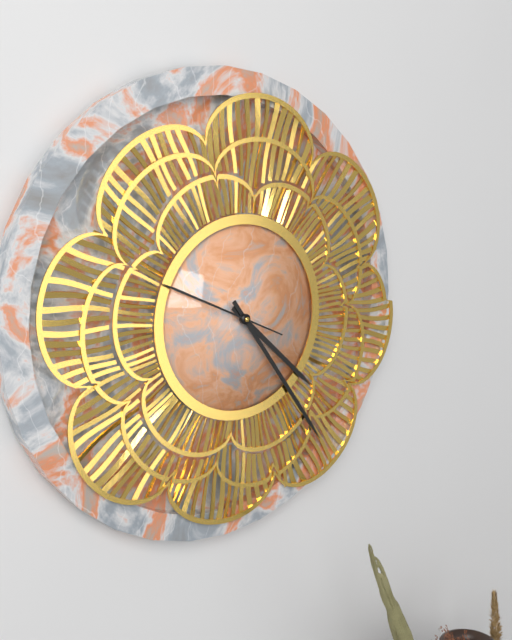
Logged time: 4 h 24 min 49 s
